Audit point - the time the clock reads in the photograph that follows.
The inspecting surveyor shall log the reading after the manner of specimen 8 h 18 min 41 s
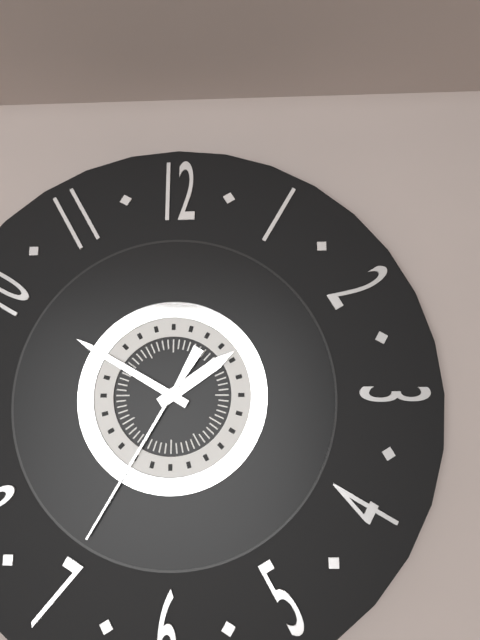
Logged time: 1 h 50 min 35 s
